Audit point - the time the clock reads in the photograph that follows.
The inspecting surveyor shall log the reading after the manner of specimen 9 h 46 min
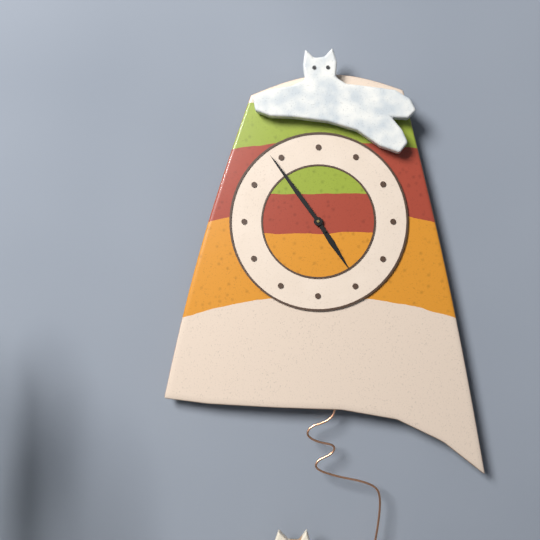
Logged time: 4 h 54 min
